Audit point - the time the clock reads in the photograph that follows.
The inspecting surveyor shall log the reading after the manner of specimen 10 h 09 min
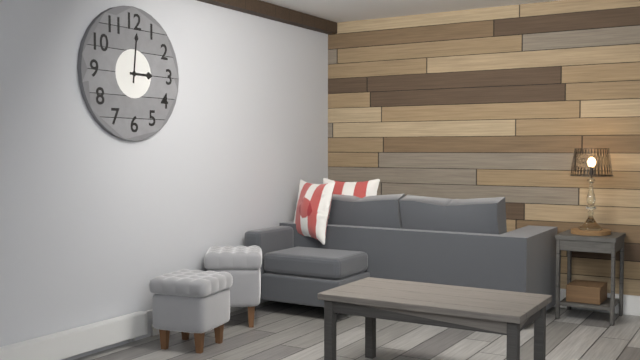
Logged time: 3 h 01 min
